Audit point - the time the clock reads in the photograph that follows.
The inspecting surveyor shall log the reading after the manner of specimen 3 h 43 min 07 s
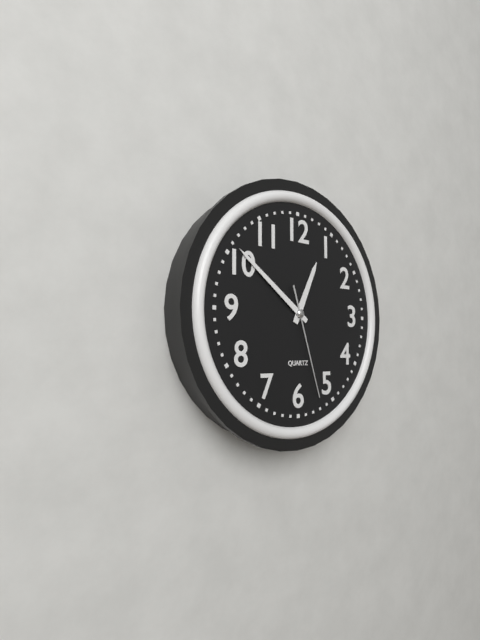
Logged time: 12 h 51 min 27 s
